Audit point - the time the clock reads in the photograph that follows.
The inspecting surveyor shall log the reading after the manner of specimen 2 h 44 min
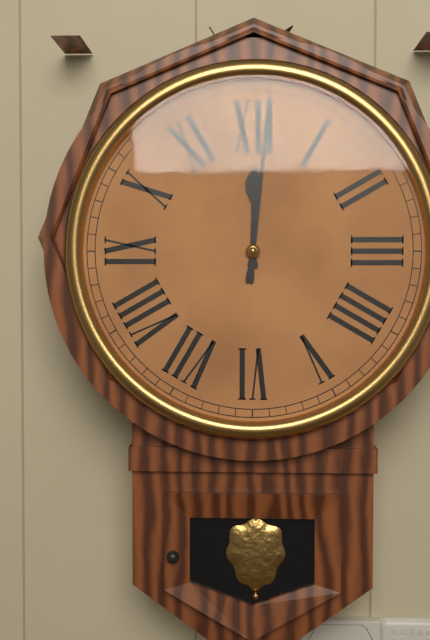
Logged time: 12 h 01 min
